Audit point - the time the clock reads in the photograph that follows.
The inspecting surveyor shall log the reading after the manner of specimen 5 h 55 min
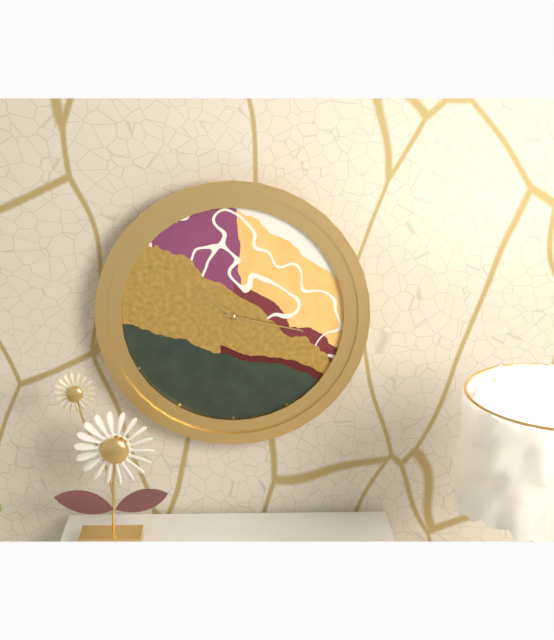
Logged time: 10 h 17 min
